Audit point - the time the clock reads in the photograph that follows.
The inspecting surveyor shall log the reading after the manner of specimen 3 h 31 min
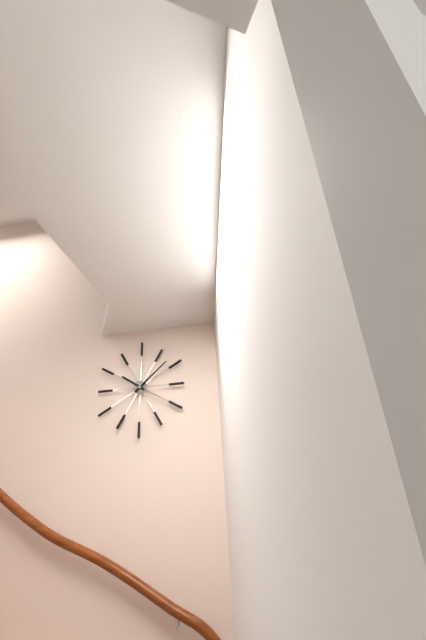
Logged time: 10 h 08 min
